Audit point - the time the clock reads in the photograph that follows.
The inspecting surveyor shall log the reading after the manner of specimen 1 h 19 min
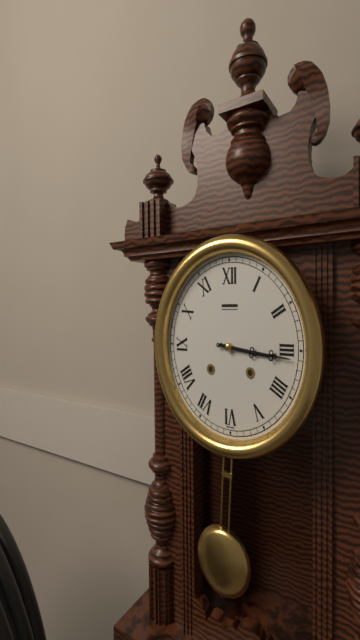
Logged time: 3 h 16 min
